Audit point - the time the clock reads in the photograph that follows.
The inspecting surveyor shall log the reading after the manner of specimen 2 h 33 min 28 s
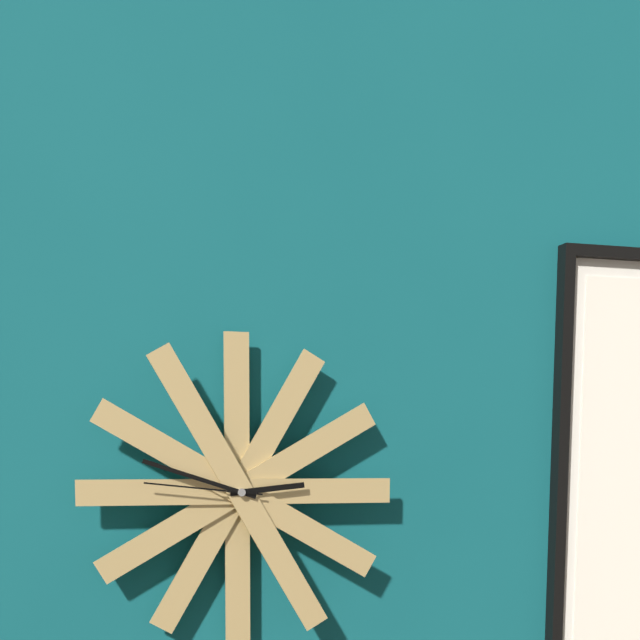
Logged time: 2 h 48 min 46 s
